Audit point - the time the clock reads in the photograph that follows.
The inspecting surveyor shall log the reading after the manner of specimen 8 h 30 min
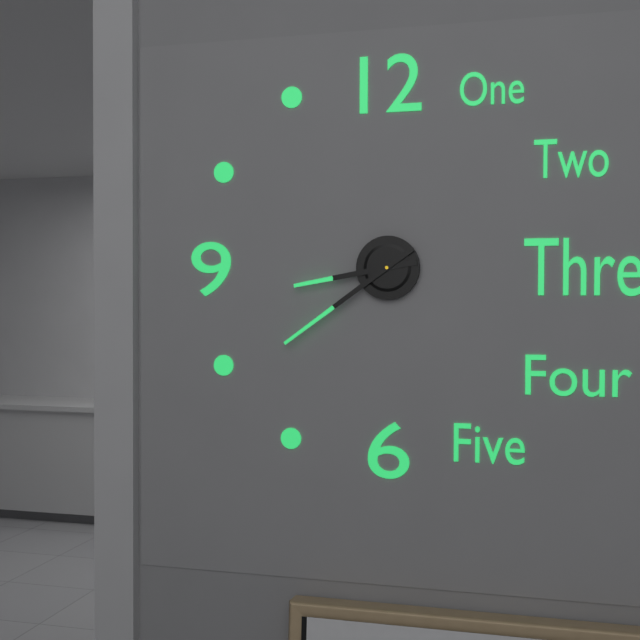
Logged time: 8 h 39 min
